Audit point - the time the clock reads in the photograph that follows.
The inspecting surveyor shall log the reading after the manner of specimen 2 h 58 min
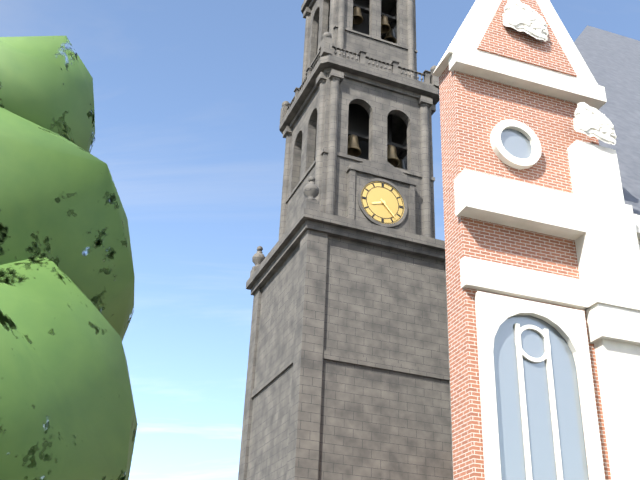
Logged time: 8 h 23 min
